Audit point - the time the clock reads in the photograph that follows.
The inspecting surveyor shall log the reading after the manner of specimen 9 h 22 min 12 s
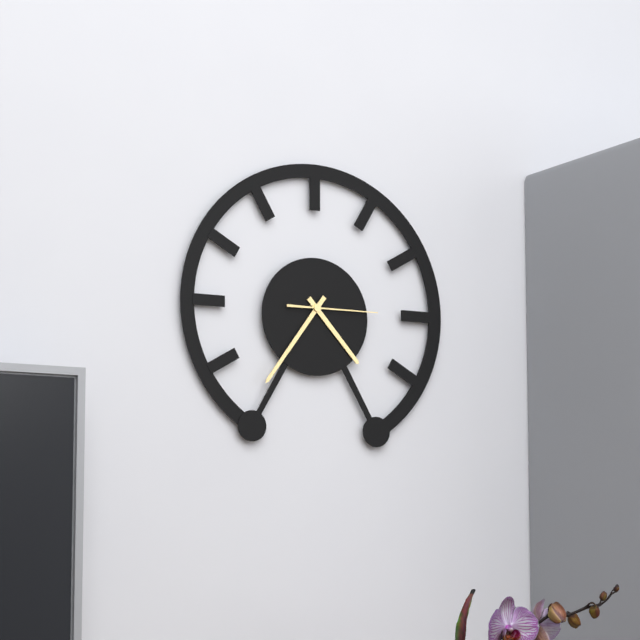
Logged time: 4 h 36 min 15 s
